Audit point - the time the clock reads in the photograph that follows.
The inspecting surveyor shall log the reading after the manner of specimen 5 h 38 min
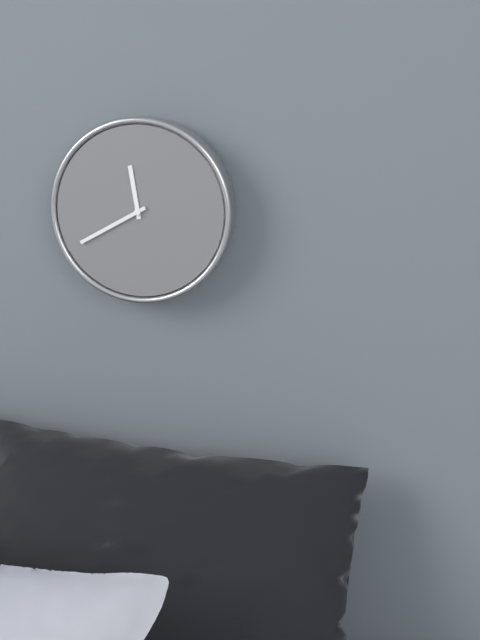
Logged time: 11 h 40 min
